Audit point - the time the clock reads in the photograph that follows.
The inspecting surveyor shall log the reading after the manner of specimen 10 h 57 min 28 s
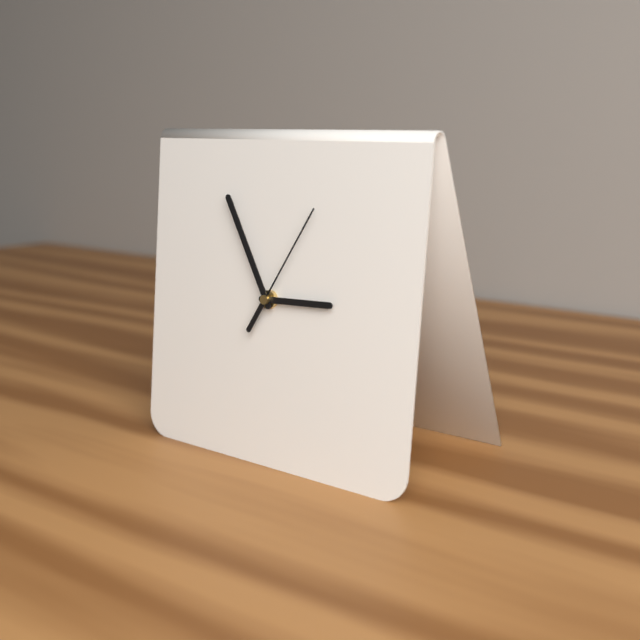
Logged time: 2 h 55 min 05 s
